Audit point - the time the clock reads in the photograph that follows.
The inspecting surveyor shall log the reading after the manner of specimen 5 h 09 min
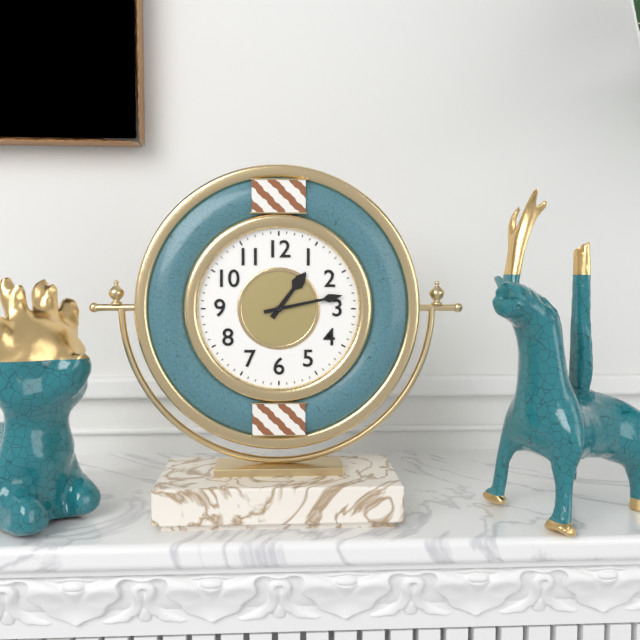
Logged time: 1 h 13 min
